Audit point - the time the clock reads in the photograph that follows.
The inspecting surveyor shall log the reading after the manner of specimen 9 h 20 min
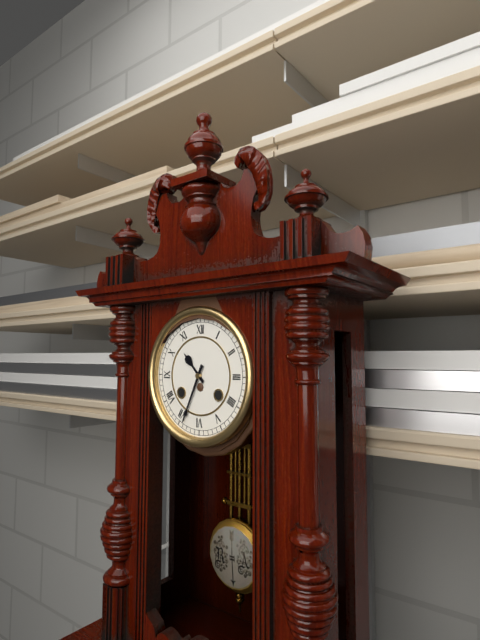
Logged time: 10 h 34 min
